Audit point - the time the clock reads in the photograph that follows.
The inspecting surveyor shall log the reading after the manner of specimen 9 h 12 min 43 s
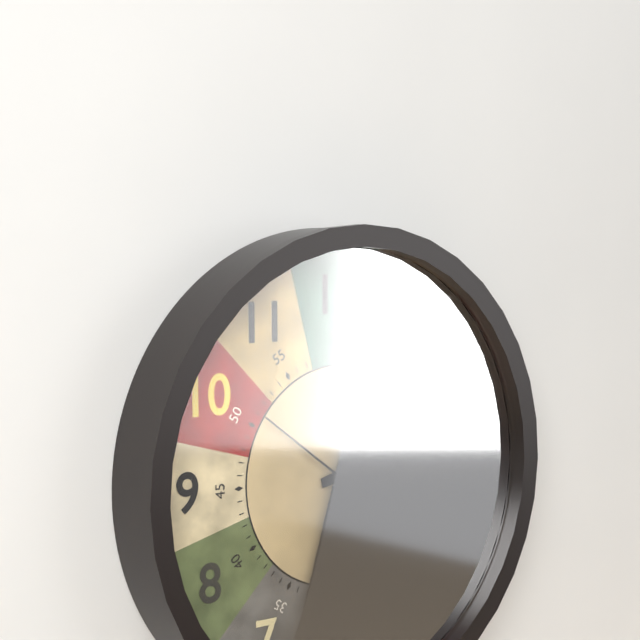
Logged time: 2 h 33 min 51 s
